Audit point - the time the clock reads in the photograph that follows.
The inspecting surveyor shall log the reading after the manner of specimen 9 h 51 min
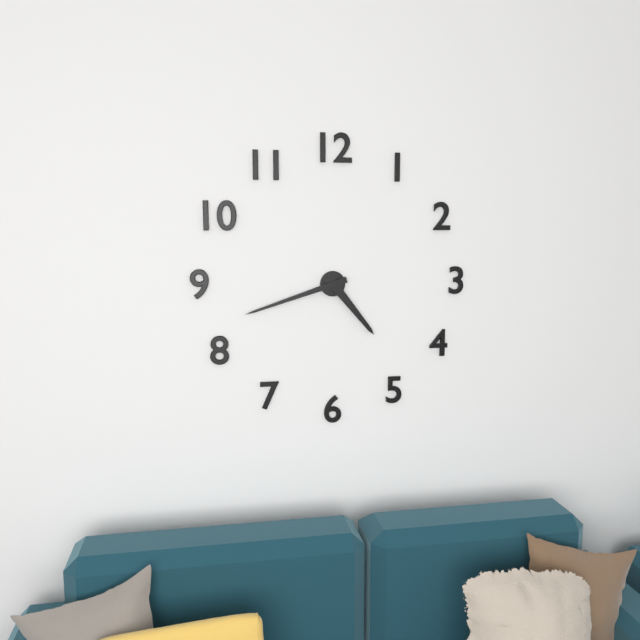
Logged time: 4 h 42 min
